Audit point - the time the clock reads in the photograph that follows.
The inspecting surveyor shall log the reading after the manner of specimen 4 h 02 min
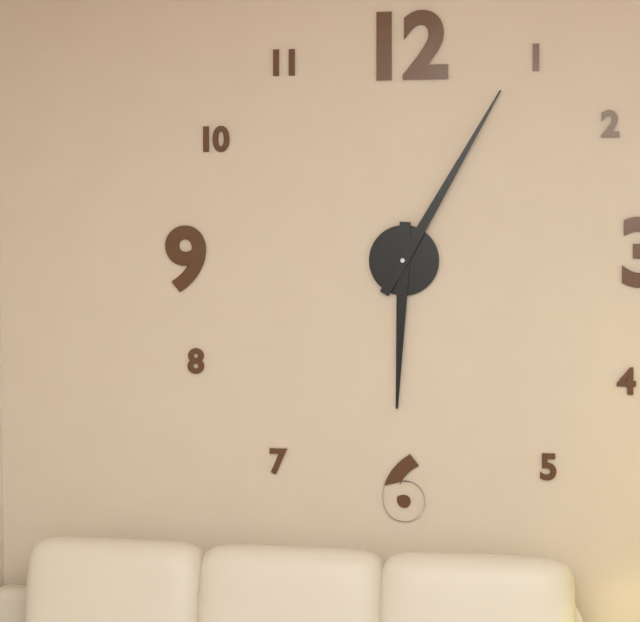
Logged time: 6 h 05 min
